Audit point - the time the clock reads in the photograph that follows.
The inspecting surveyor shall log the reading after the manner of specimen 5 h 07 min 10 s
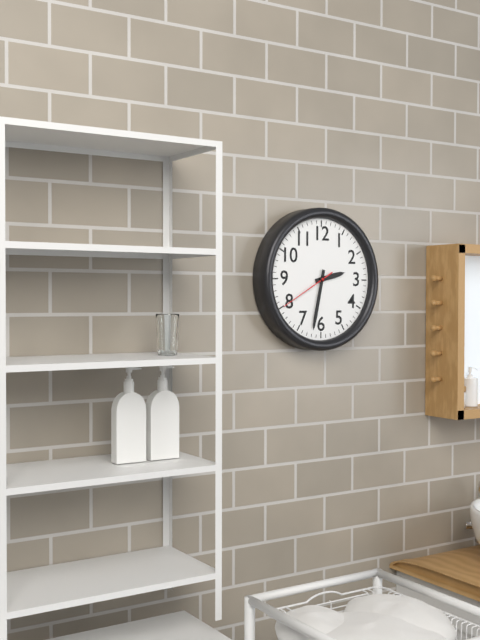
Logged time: 2 h 32 min 40 s
